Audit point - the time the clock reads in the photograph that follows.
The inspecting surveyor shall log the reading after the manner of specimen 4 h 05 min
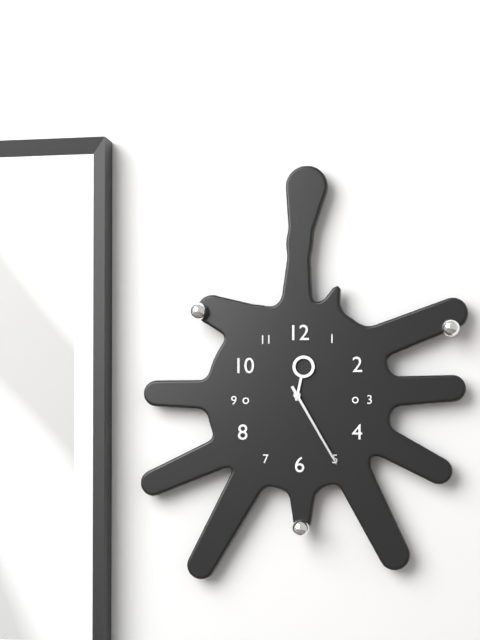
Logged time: 12 h 25 min
